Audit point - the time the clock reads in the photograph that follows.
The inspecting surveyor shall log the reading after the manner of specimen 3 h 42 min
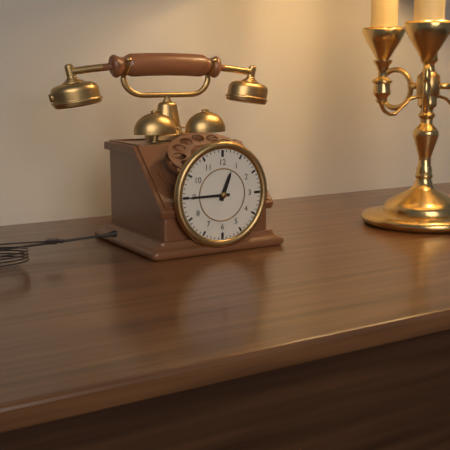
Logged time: 12 h 45 min
